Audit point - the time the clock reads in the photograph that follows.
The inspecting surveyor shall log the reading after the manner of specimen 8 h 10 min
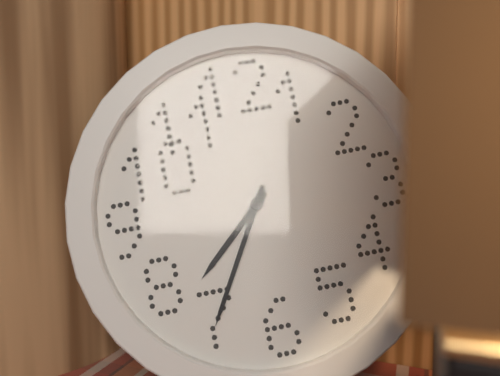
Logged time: 7 h 35 min
